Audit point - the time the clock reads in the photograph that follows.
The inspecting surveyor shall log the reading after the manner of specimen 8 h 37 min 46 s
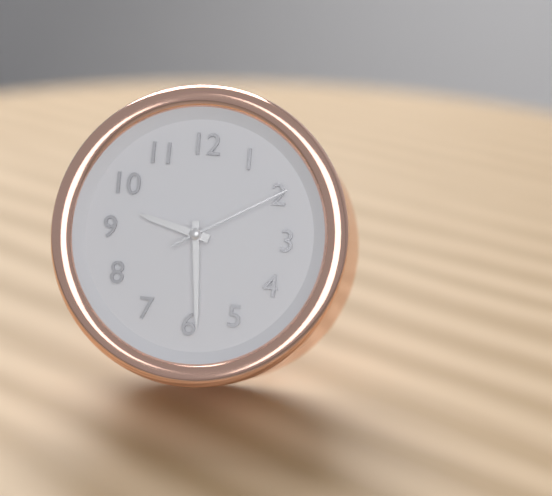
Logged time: 9 h 29 min 10 s
